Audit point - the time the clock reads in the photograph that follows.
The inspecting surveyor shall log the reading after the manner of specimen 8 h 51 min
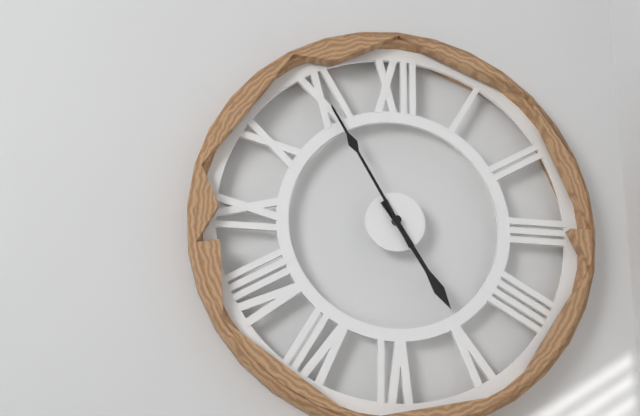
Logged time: 4 h 55 min
